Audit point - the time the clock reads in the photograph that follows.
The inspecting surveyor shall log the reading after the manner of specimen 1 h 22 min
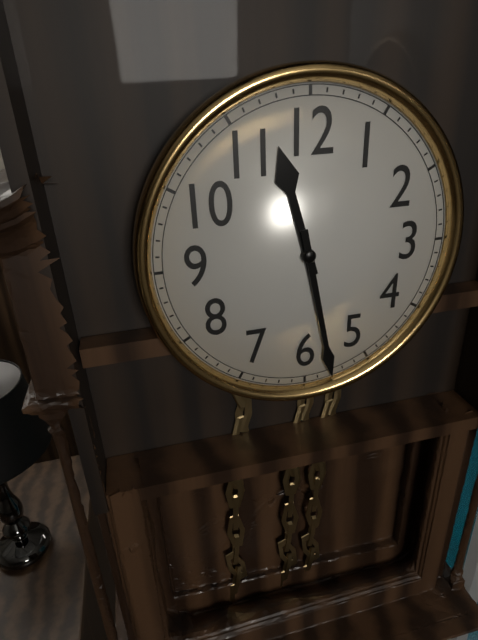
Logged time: 11 h 28 min
